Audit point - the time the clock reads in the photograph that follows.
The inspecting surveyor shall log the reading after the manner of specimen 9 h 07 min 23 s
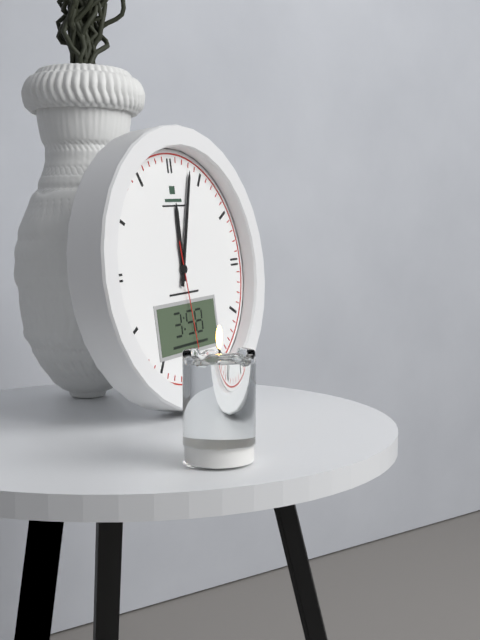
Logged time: 12 h 03 min 29 s
